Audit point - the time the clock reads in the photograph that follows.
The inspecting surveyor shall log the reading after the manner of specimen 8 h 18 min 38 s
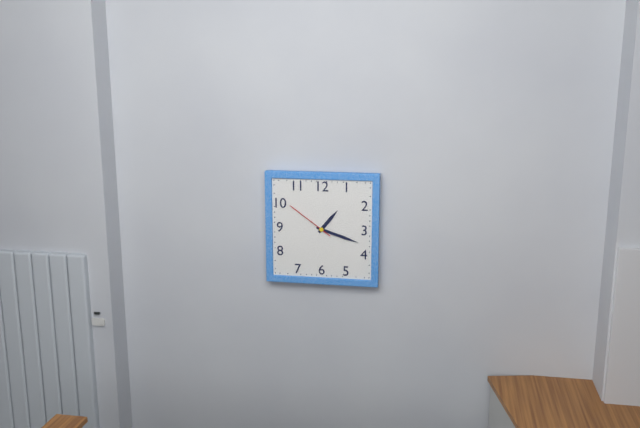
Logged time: 1 h 18 min 51 s
